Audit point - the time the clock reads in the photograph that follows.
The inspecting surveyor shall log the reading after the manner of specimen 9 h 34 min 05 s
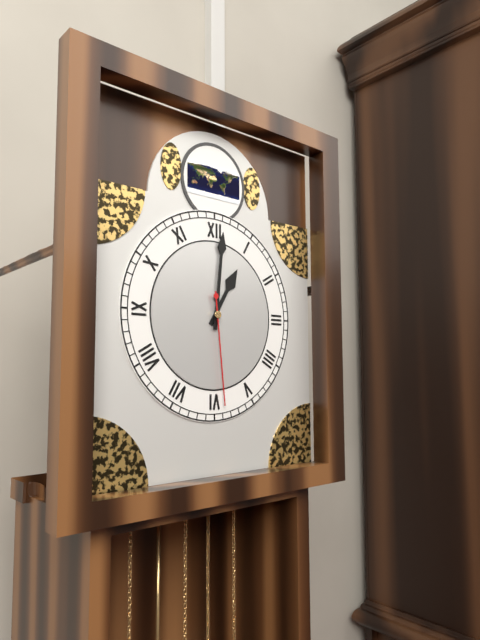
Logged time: 1 h 01 min 29 s
